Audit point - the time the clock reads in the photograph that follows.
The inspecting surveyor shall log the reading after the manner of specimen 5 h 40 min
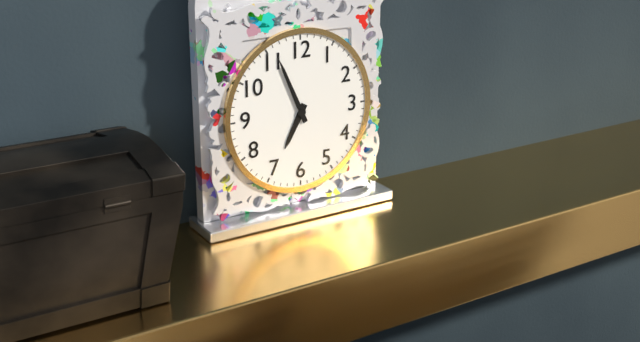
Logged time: 6 h 56 min
